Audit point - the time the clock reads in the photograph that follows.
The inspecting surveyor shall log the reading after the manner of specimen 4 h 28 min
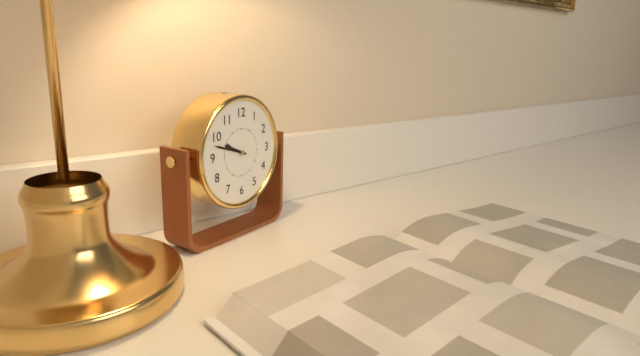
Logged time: 9 h 48 min
